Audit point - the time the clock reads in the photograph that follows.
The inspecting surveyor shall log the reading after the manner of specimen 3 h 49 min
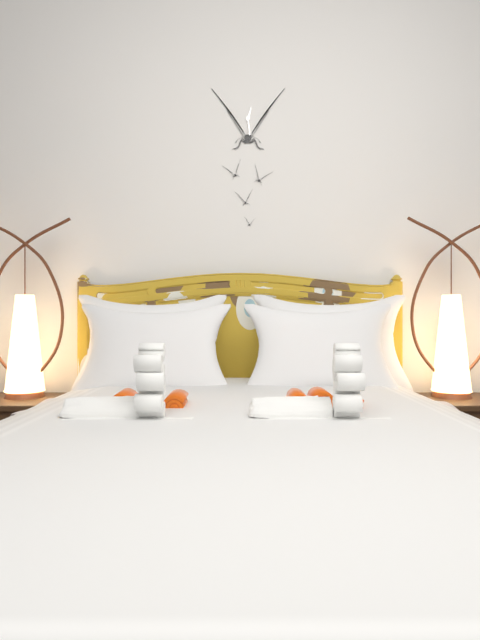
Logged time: 12 h 29 min
